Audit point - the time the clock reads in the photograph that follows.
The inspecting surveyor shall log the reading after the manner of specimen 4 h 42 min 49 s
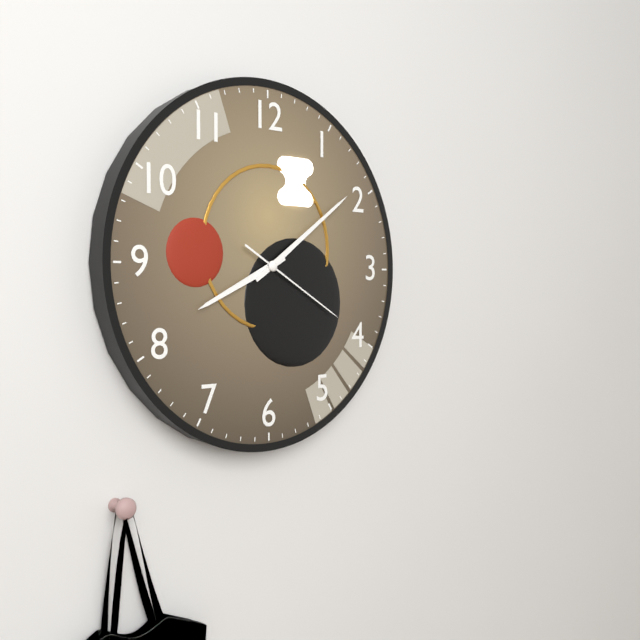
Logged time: 8 h 09 min 20 s
